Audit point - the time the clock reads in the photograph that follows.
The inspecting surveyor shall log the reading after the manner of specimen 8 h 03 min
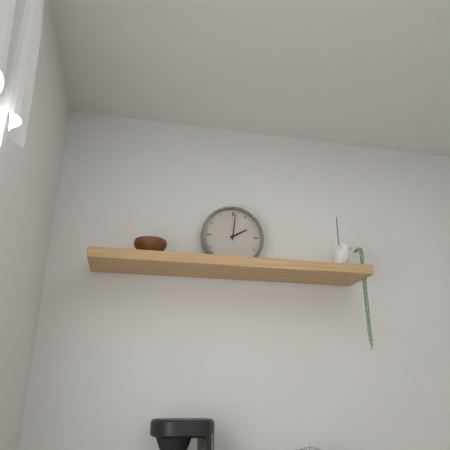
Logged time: 2 h 01 min
